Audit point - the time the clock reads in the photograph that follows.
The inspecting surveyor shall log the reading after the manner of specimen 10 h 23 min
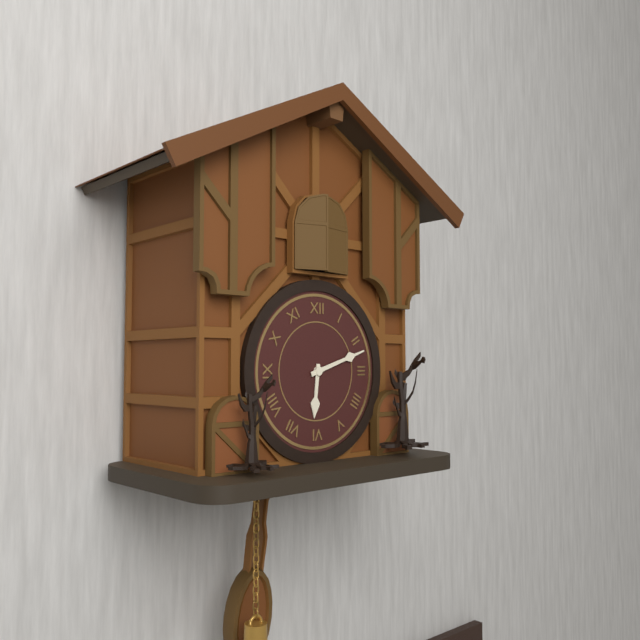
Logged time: 6 h 12 min
